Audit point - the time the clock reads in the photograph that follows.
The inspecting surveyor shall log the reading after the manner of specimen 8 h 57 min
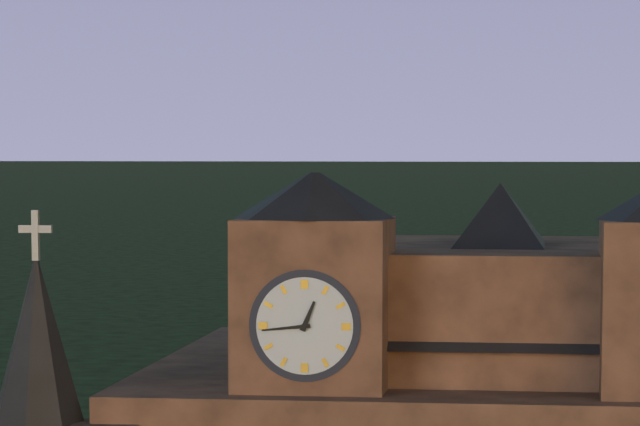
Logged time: 12 h 44 min
